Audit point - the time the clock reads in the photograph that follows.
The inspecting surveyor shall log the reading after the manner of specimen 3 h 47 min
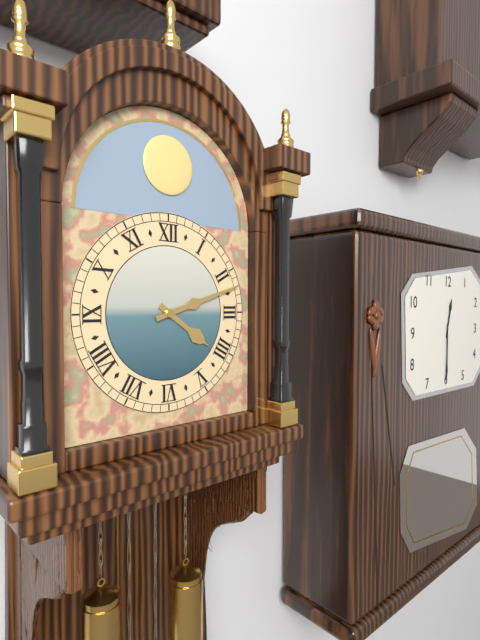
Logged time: 4 h 12 min
